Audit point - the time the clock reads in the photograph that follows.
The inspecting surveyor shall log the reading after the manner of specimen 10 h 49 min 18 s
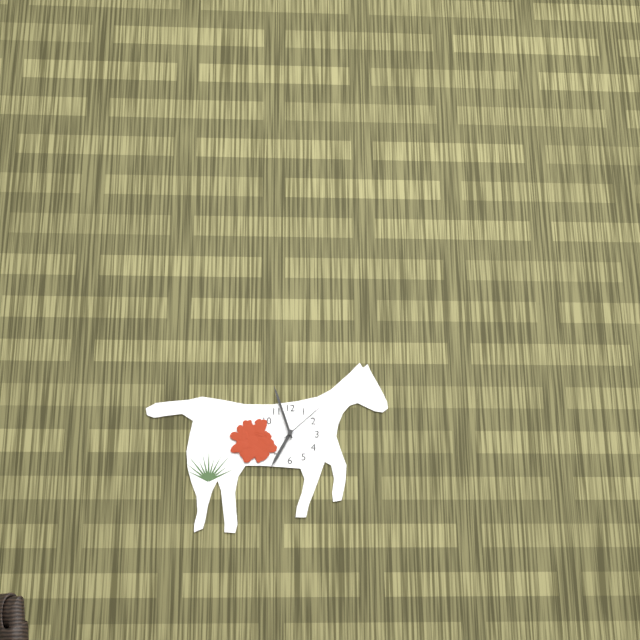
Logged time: 6 h 57 min 08 s
